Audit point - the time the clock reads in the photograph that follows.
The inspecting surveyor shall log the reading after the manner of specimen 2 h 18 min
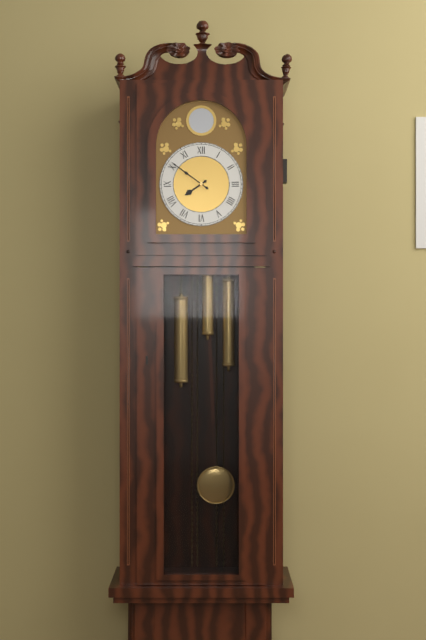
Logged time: 7 h 51 min
